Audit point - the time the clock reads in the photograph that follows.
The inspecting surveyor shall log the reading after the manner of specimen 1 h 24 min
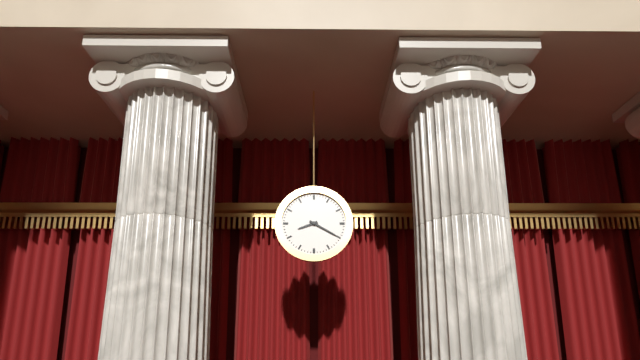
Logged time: 8 h 20 min
